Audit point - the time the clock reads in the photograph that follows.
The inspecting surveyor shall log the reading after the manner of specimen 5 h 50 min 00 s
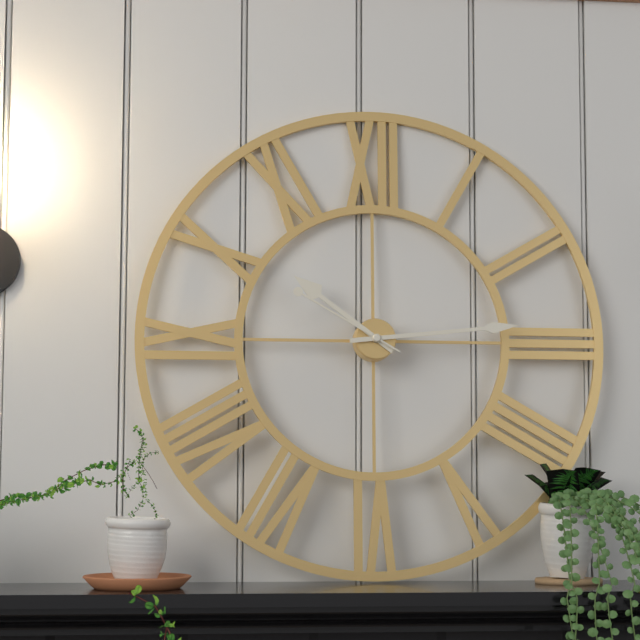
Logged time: 10 h 14 min 50 s
